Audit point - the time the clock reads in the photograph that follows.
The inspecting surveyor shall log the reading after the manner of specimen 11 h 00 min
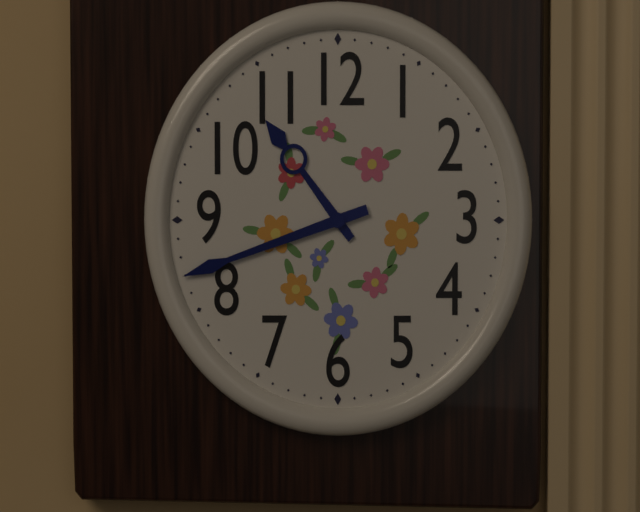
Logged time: 10 h 42 min
